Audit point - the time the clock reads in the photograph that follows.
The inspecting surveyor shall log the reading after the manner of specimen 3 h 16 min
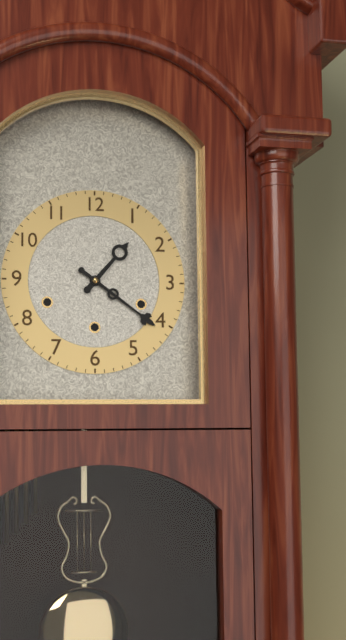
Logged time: 1 h 21 min
